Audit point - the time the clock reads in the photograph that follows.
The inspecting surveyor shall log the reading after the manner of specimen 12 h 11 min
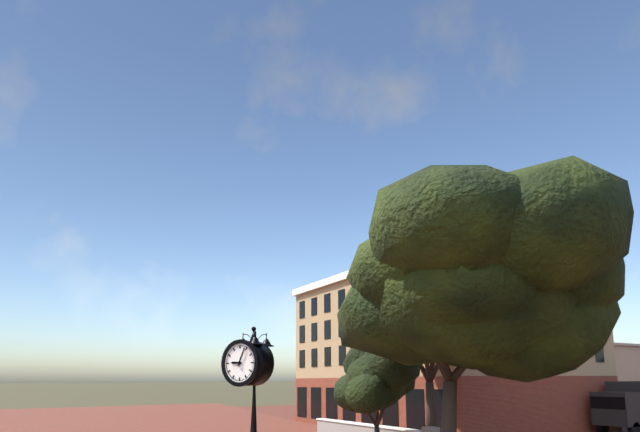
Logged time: 9 h 04 min
